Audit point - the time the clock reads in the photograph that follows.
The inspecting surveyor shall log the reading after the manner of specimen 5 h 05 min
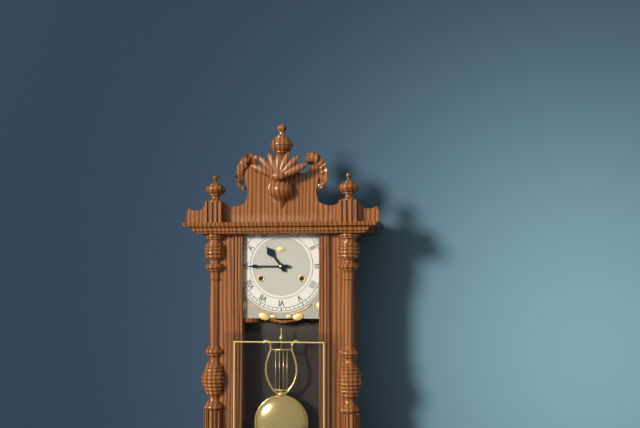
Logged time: 10 h 45 min
